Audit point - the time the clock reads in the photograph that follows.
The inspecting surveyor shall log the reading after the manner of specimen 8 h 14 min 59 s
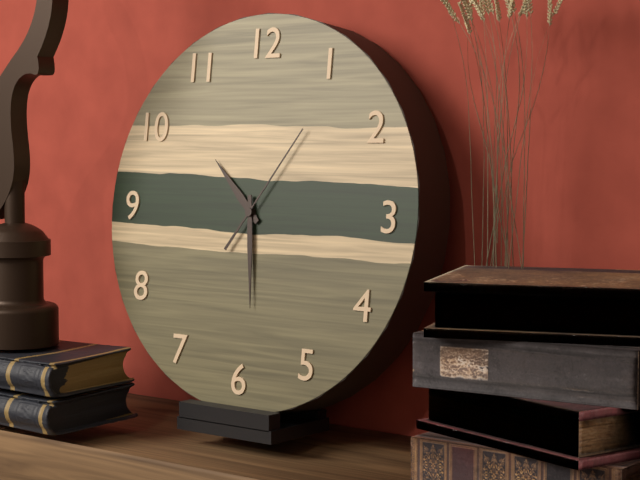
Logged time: 10 h 29 min 06 s
